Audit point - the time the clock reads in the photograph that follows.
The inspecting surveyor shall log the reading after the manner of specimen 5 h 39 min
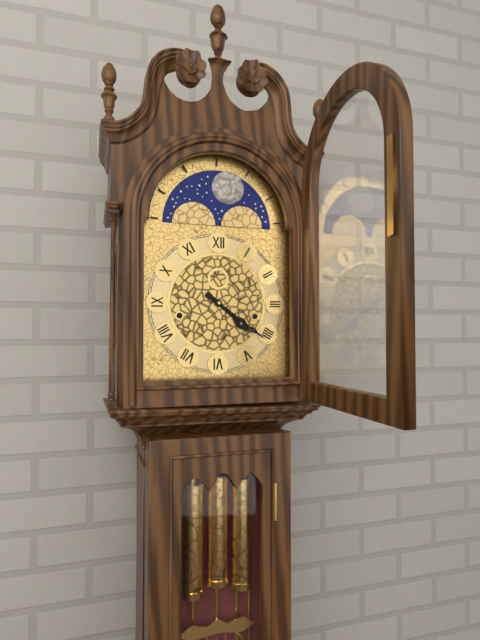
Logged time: 4 h 21 min
